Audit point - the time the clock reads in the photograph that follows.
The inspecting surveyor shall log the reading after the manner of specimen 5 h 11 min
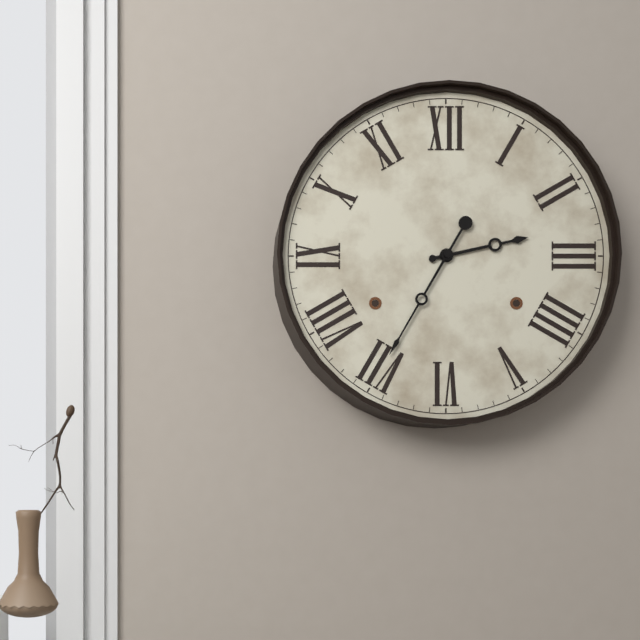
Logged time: 2 h 35 min
